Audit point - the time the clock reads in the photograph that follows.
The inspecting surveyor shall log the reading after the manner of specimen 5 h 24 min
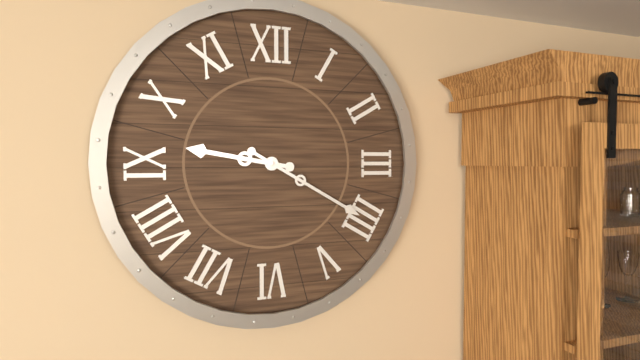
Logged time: 9 h 20 min
